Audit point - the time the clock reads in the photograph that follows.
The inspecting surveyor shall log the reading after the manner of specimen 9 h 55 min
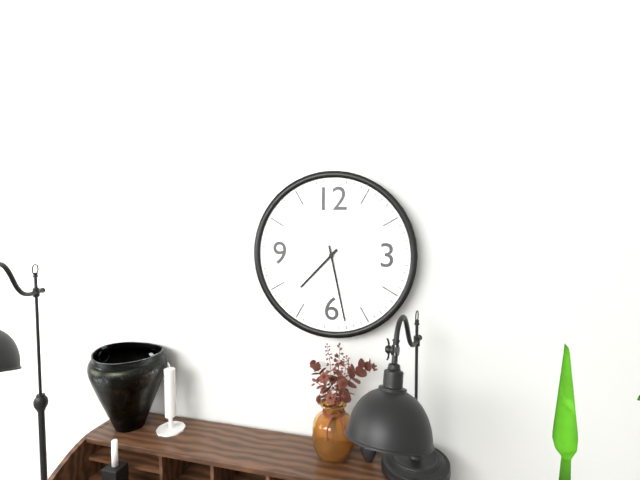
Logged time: 7 h 28 min
